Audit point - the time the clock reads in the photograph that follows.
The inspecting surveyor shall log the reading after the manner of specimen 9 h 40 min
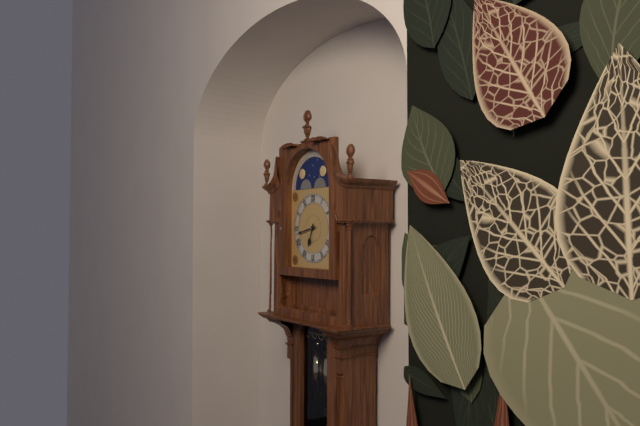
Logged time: 6 h 43 min
